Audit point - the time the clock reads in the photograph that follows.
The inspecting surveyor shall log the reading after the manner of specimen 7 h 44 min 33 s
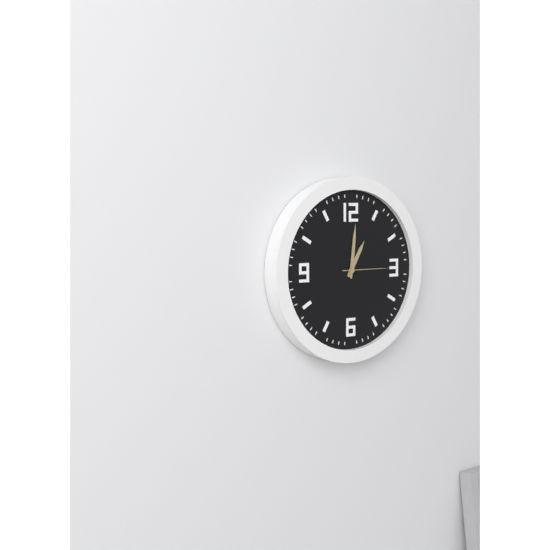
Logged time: 1 h 01 min 15 s
